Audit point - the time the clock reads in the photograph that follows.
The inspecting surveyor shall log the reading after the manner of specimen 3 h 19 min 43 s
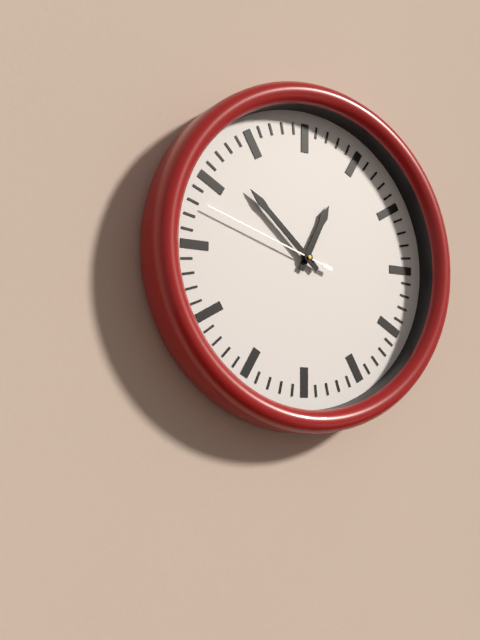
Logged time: 12 h 52 min 48 s
